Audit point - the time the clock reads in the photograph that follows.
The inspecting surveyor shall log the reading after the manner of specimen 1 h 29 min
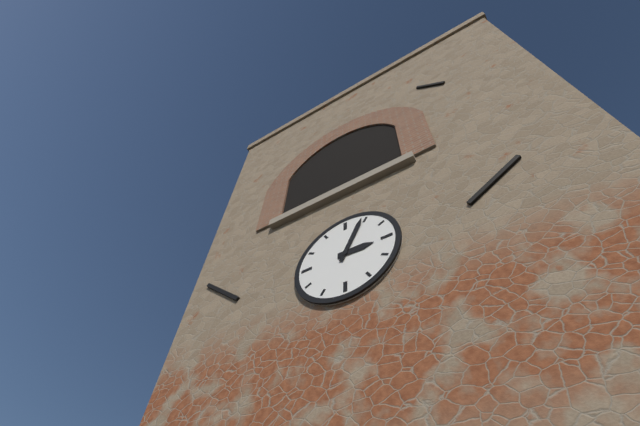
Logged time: 3 h 04 min
